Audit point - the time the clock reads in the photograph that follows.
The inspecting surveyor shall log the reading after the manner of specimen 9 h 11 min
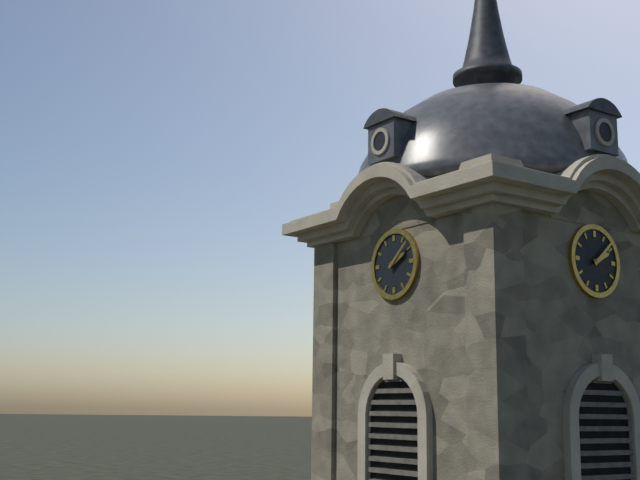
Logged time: 2 h 08 min
